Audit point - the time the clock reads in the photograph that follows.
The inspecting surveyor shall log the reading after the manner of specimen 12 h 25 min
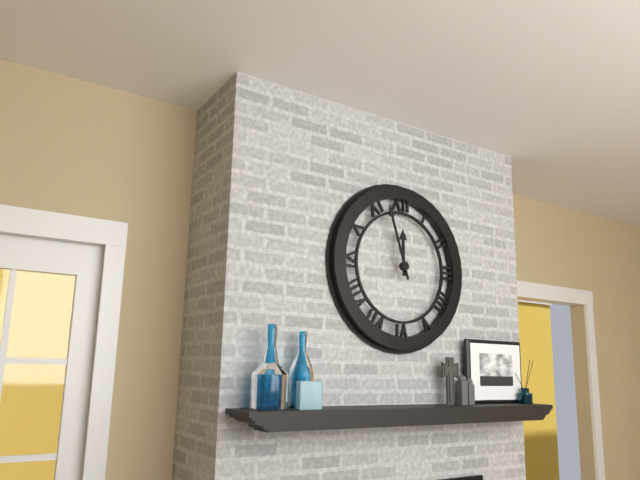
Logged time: 11 h 57 min
